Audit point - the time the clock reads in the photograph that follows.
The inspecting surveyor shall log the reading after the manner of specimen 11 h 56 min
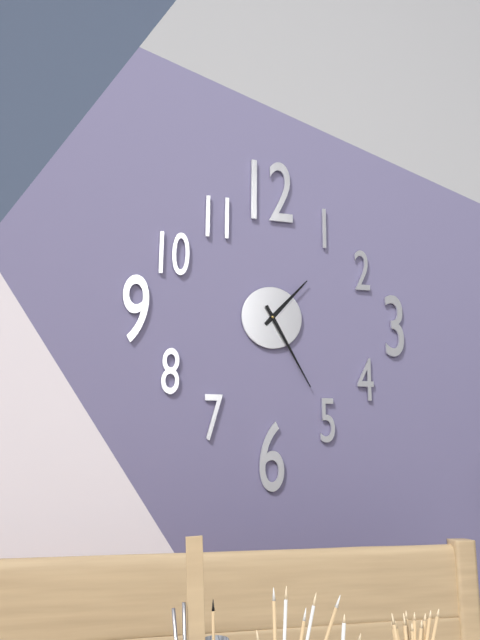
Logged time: 1 h 25 min
